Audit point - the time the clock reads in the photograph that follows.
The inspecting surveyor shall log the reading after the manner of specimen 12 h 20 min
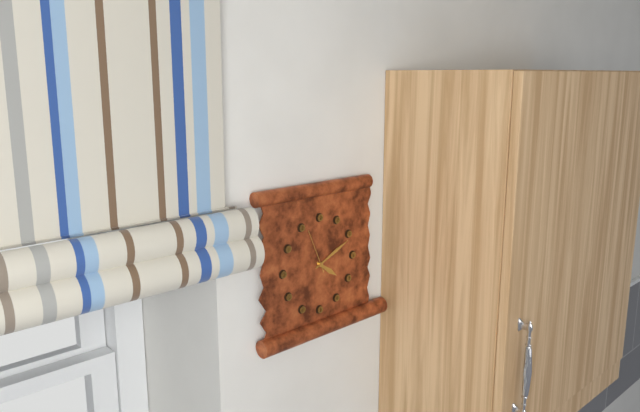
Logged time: 4 h 11 min
